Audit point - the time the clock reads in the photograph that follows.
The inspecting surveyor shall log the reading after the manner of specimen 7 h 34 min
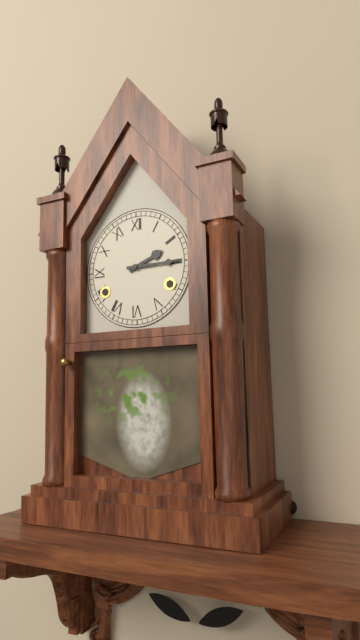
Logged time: 2 h 15 min
